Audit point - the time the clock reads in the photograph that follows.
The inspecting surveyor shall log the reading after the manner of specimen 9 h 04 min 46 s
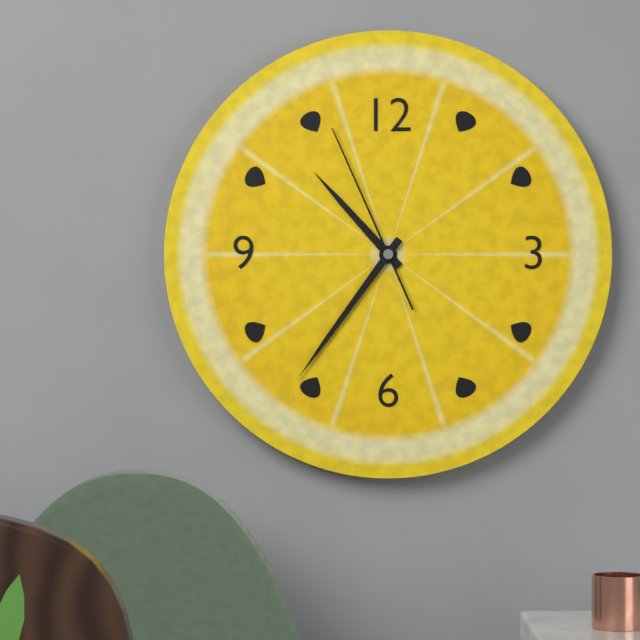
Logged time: 10 h 36 min 56 s
